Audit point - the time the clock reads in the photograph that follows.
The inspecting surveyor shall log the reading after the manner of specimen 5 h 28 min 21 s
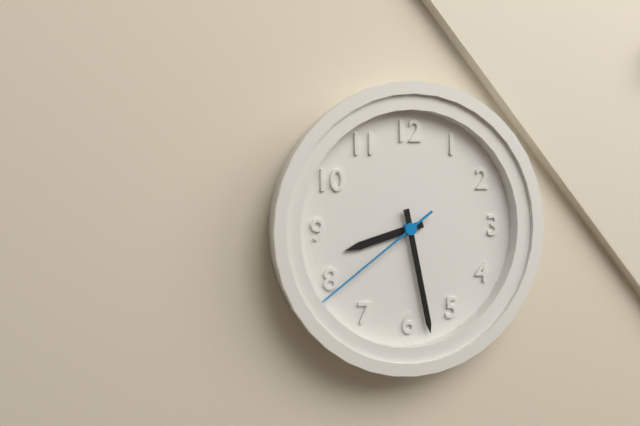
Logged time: 8 h 28 min 39 s
